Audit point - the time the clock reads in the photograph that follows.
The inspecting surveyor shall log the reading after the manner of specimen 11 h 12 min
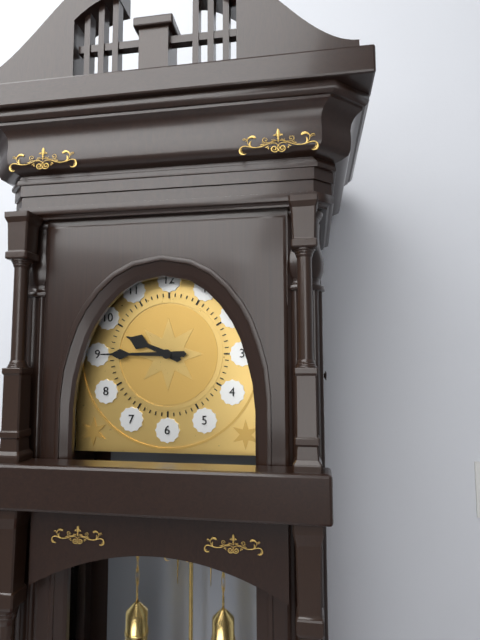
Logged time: 9 h 45 min
